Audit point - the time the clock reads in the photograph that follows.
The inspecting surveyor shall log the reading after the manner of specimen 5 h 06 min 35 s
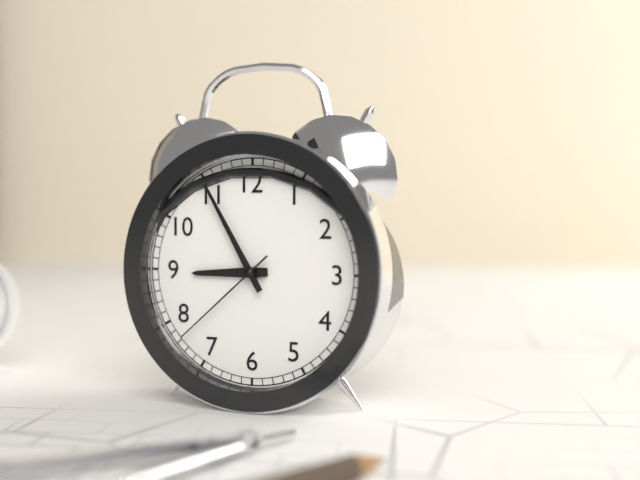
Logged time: 8 h 55 min 38 s
